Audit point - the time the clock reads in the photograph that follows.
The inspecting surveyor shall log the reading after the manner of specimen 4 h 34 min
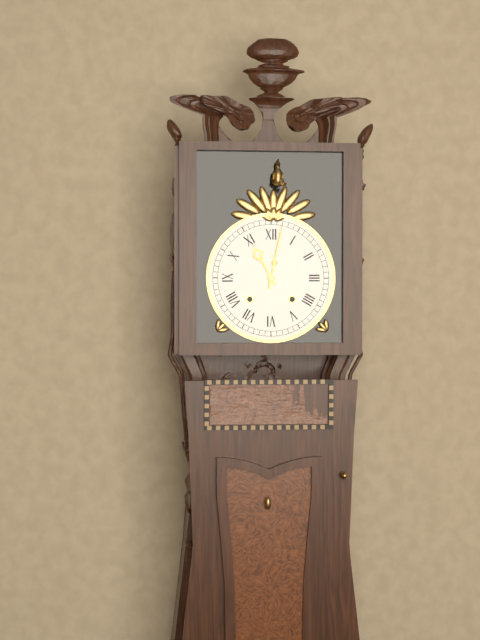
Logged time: 11 h 02 min
